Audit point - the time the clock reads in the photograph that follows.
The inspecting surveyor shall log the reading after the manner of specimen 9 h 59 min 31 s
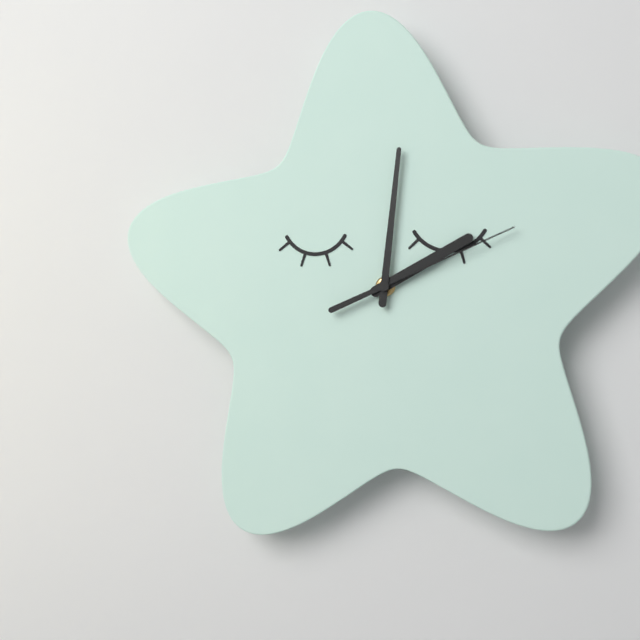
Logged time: 2 h 01 min 11 s
